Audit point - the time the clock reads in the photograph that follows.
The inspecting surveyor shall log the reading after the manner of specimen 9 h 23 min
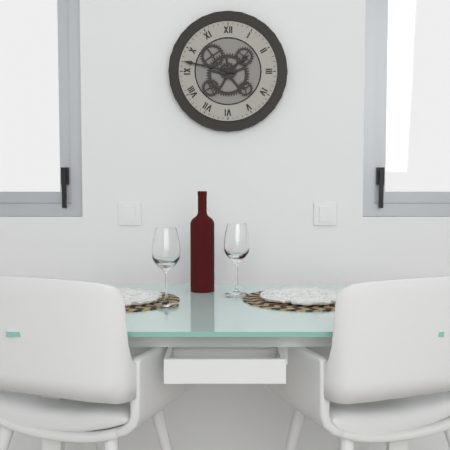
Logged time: 1 h 47 min
